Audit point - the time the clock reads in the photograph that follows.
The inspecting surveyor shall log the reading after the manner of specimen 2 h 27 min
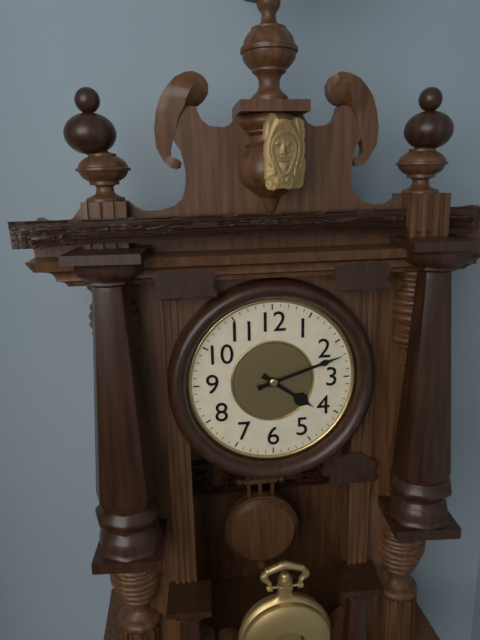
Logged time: 4 h 12 min
